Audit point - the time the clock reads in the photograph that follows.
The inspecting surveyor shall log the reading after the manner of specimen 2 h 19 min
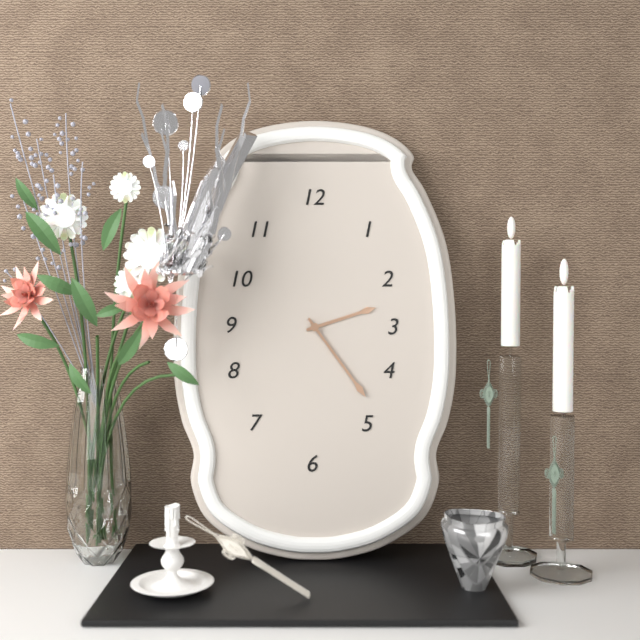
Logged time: 2 h 24 min
